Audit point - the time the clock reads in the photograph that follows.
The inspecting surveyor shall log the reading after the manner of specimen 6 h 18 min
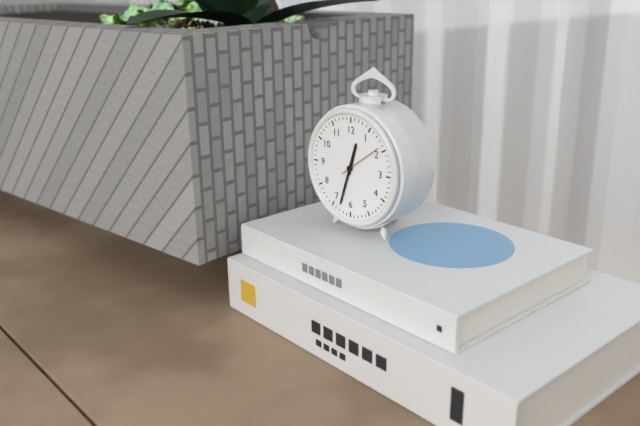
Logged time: 12 h 33 min
